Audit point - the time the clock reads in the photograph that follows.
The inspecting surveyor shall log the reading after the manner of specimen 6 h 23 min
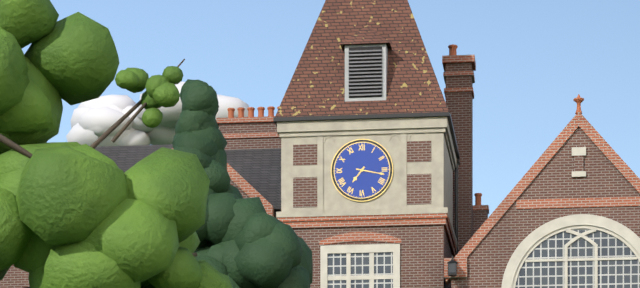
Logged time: 7 h 17 min
